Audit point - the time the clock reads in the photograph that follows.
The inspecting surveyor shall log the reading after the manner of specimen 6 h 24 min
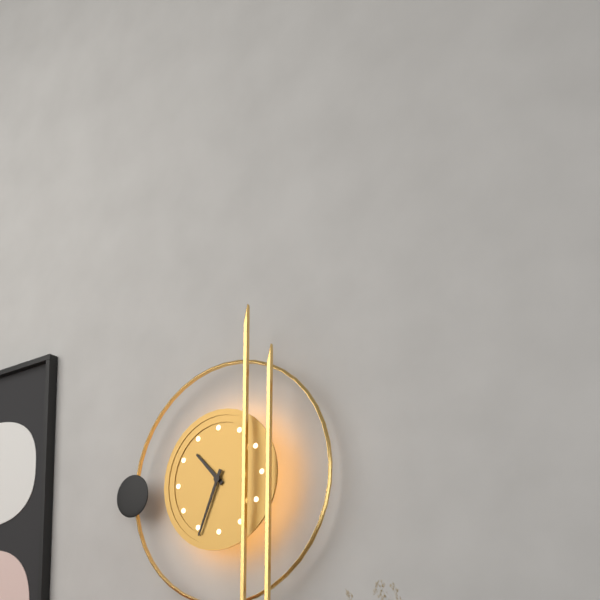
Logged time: 10 h 34 min
